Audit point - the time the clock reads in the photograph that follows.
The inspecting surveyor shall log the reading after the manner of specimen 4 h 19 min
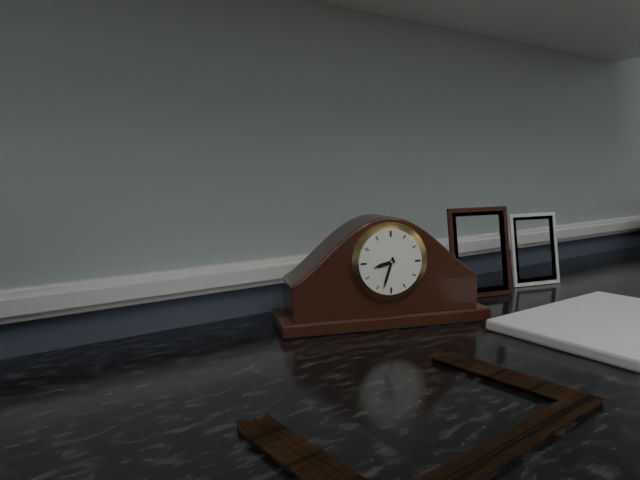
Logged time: 8 h 33 min
